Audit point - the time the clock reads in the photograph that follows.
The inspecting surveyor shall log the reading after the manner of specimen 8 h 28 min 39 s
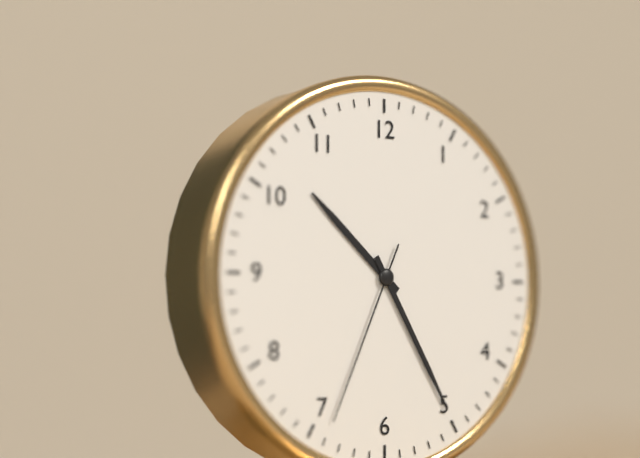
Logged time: 10 h 25 min 34 s
